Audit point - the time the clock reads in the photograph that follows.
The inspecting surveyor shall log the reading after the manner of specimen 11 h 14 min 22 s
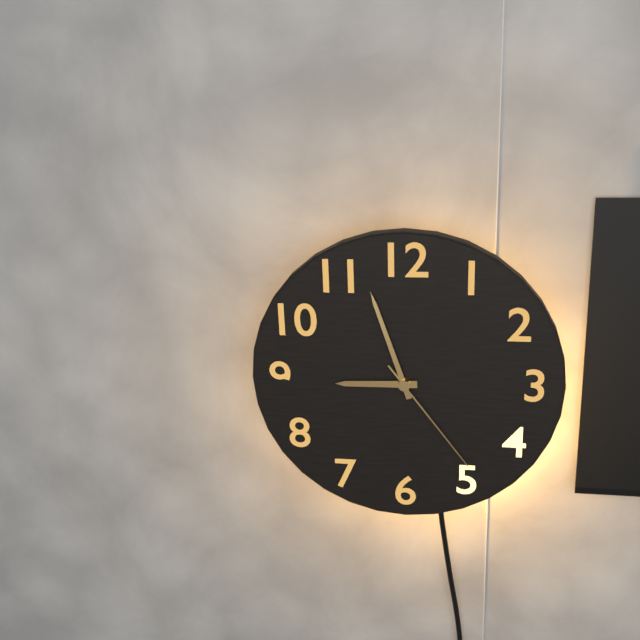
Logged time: 8 h 57 min 24 s
